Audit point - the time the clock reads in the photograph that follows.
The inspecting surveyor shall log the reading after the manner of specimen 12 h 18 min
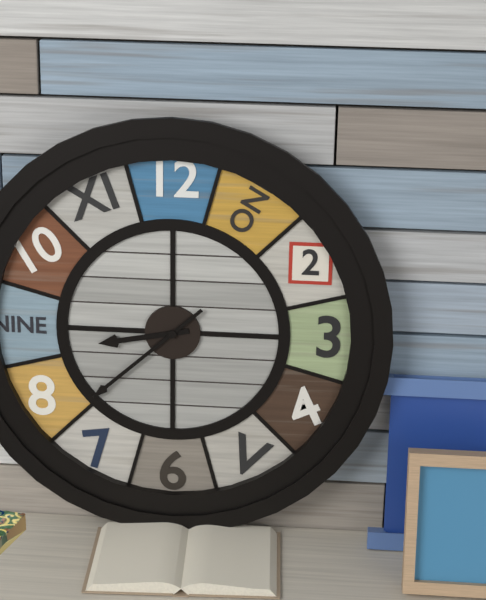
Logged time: 8 h 38 min
